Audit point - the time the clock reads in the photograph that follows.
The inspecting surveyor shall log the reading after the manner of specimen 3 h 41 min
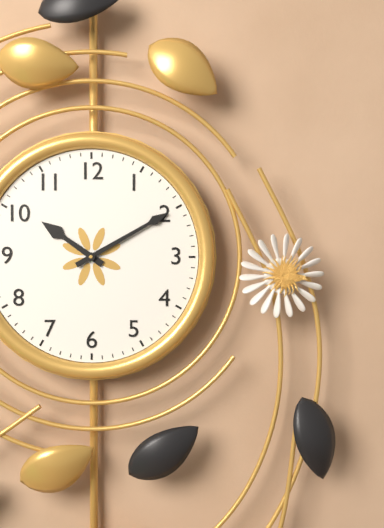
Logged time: 10 h 10 min
